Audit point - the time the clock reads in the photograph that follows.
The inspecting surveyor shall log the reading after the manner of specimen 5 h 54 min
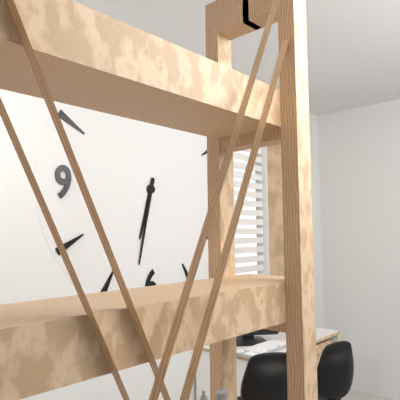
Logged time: 6 h 32 min
